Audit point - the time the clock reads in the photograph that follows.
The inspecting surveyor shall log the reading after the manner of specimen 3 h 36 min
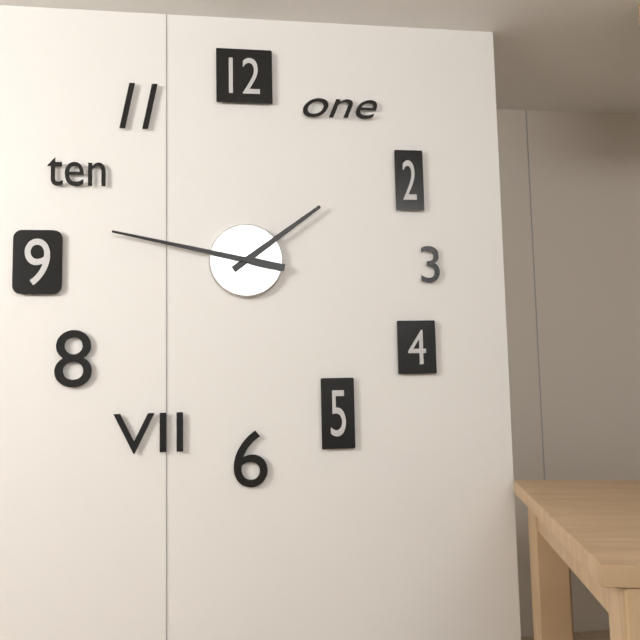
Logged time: 1 h 47 min
